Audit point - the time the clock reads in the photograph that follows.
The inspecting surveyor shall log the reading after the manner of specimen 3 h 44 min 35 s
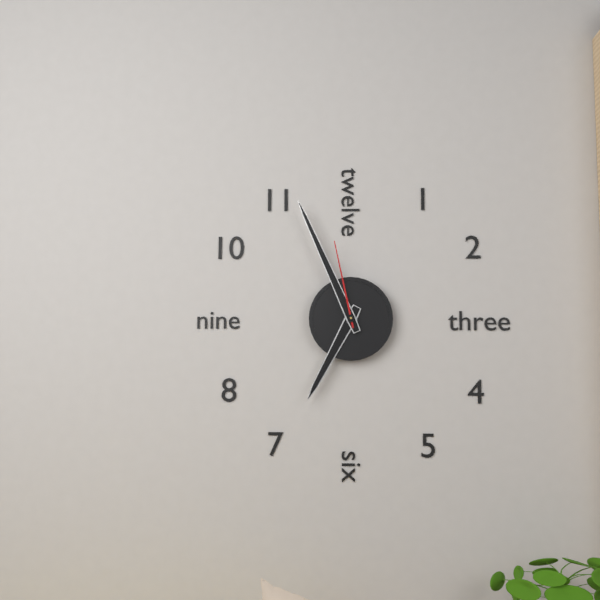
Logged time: 6 h 56 min 58 s
